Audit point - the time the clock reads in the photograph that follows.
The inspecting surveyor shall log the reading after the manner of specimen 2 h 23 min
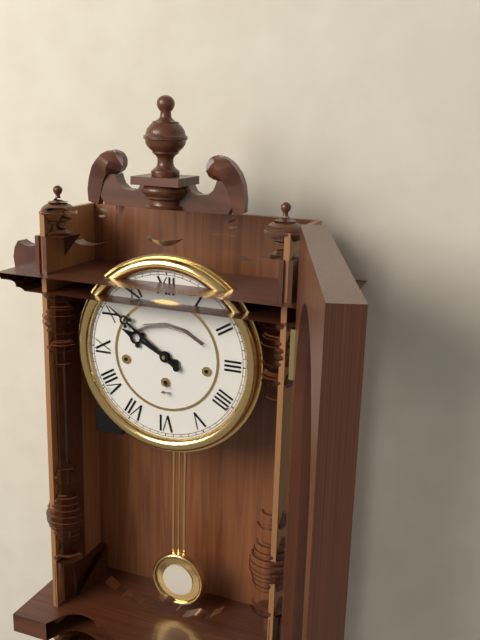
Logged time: 9 h 51 min
